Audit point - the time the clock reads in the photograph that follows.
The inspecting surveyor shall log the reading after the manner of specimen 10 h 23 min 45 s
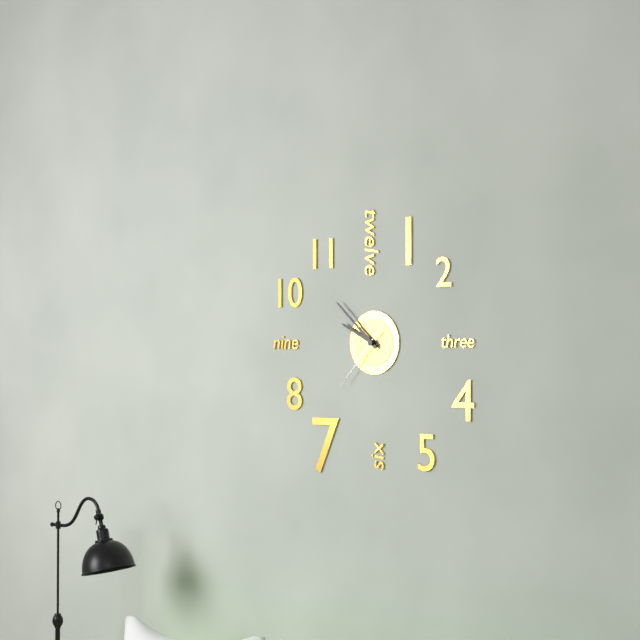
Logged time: 9 h 52 min 37 s
